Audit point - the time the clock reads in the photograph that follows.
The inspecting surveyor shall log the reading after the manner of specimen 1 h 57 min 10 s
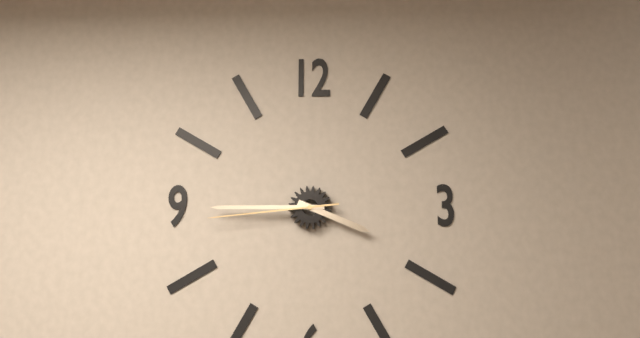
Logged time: 3 h 45 min 44 s
